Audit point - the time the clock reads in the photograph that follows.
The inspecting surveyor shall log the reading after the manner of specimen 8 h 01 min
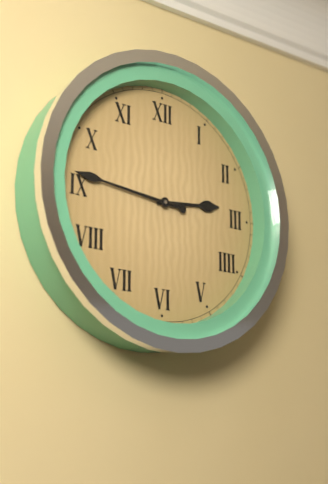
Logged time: 2 h 46 min
